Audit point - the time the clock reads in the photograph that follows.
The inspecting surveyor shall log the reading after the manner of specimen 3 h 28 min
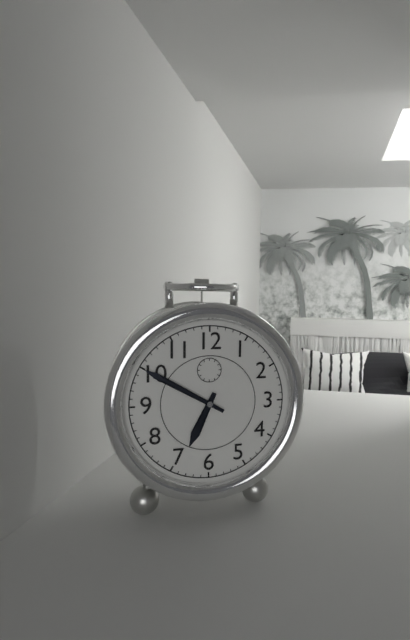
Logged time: 6 h 50 min
